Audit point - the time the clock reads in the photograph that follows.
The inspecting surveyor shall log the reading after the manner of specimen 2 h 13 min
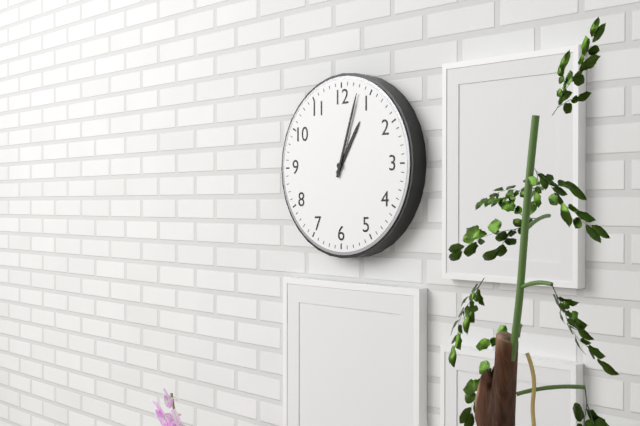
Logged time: 1 h 03 min
